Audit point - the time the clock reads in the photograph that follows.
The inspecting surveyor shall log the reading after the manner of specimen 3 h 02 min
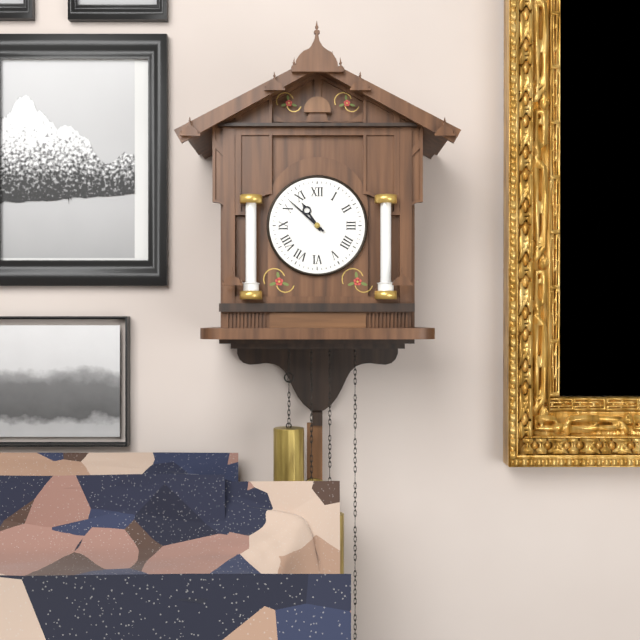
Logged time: 10 h 52 min
